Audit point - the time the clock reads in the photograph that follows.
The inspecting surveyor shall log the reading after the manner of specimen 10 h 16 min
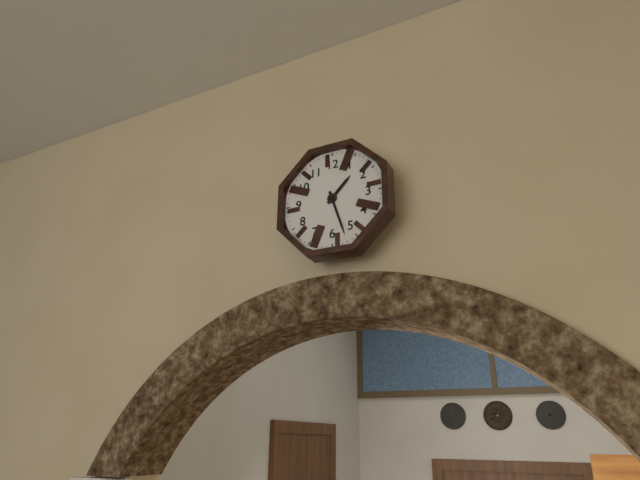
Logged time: 1 h 27 min
